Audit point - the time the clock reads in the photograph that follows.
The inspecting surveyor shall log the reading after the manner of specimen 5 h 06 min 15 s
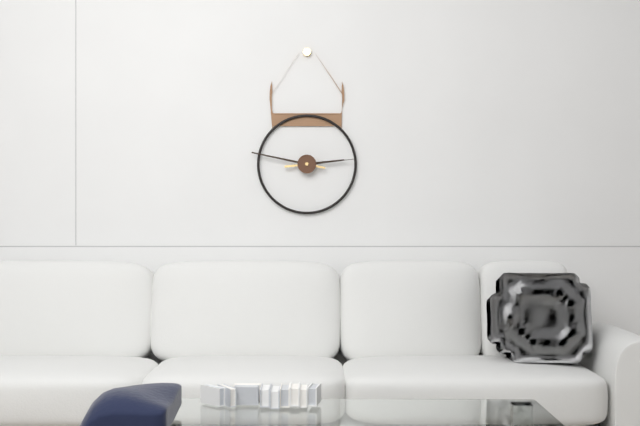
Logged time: 2 h 47 min 14 s
